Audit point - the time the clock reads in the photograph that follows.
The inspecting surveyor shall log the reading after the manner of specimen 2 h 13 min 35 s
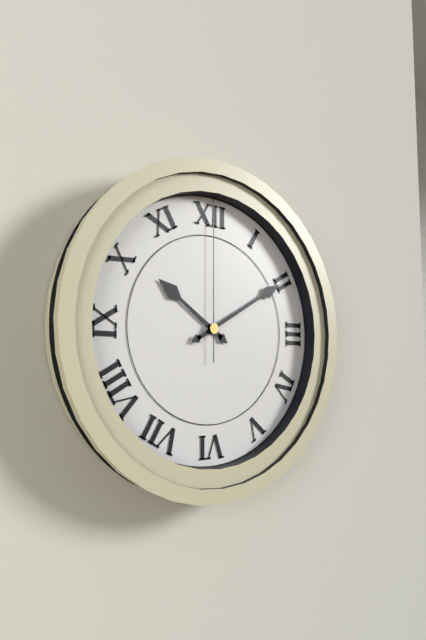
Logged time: 10 h 10 min 00 s
